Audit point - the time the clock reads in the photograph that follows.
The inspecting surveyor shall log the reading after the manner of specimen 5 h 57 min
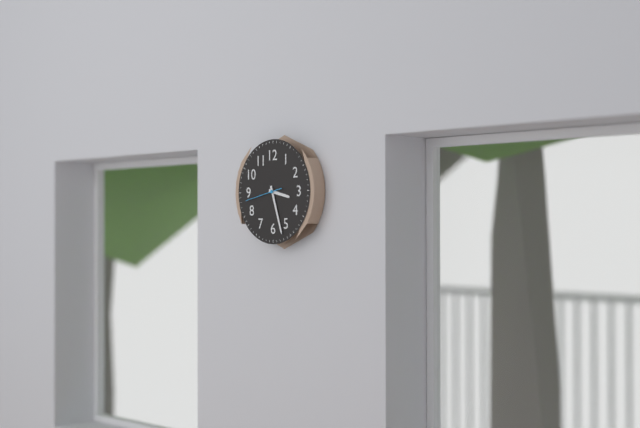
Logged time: 3 h 27 min
